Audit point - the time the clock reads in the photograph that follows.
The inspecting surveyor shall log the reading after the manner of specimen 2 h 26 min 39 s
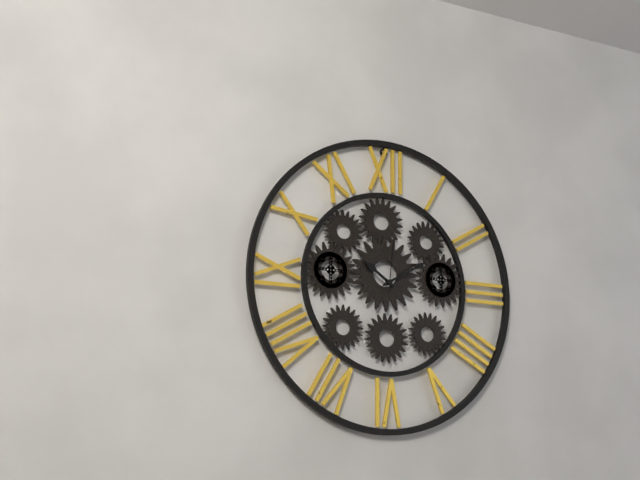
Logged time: 10 h 10 min 01 s
